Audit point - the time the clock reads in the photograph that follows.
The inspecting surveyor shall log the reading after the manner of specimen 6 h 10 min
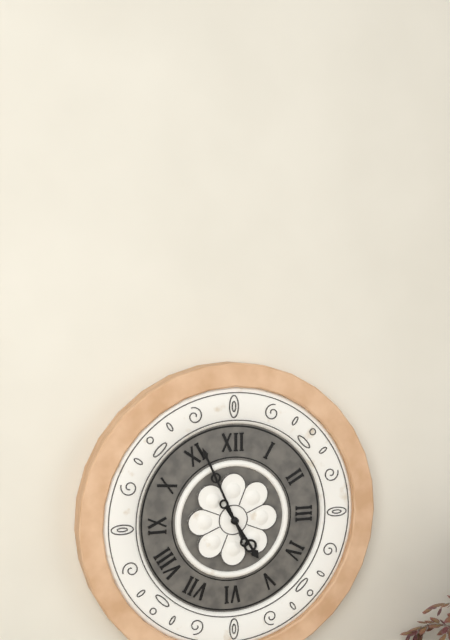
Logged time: 4 h 56 min
